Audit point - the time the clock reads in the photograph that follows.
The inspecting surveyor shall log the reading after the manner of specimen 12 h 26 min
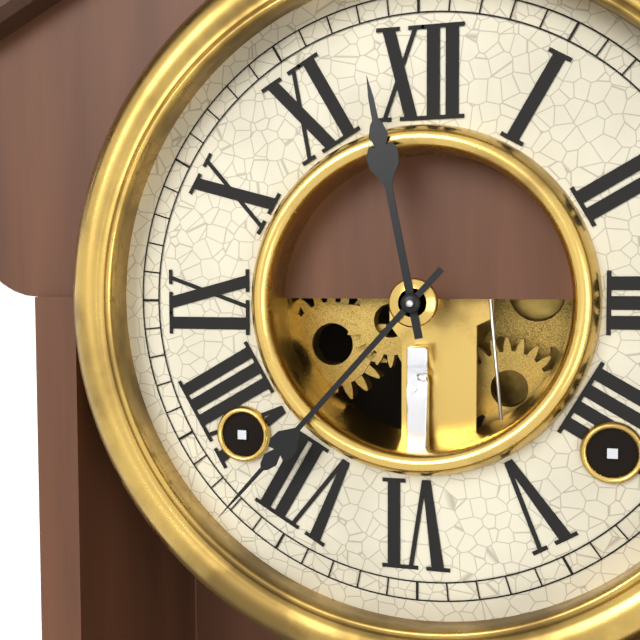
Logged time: 11 h 37 min
